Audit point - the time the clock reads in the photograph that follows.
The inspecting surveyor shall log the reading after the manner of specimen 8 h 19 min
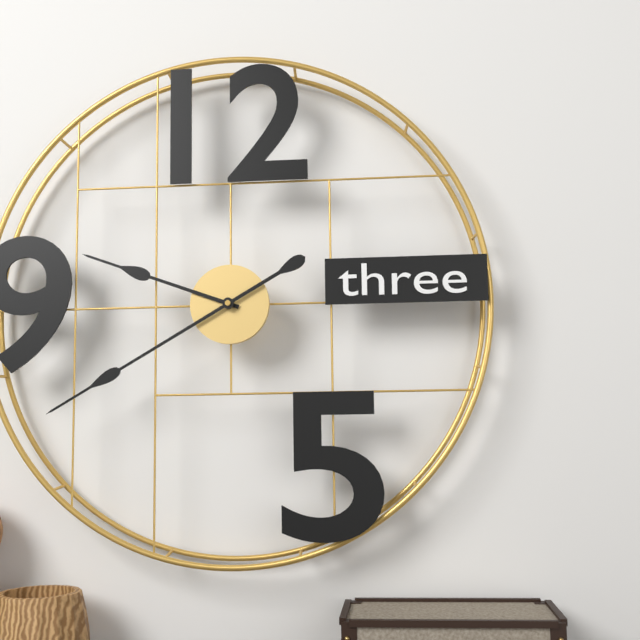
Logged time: 9 h 40 min
